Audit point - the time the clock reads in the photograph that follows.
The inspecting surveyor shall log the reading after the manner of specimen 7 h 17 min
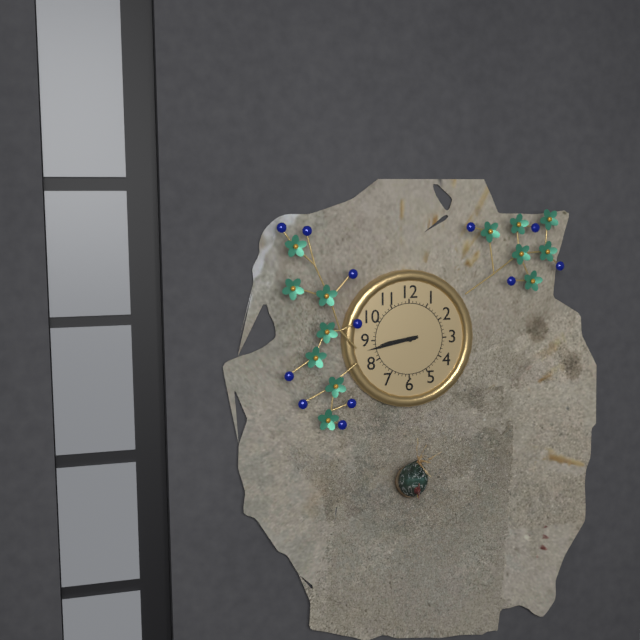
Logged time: 8 h 43 min
